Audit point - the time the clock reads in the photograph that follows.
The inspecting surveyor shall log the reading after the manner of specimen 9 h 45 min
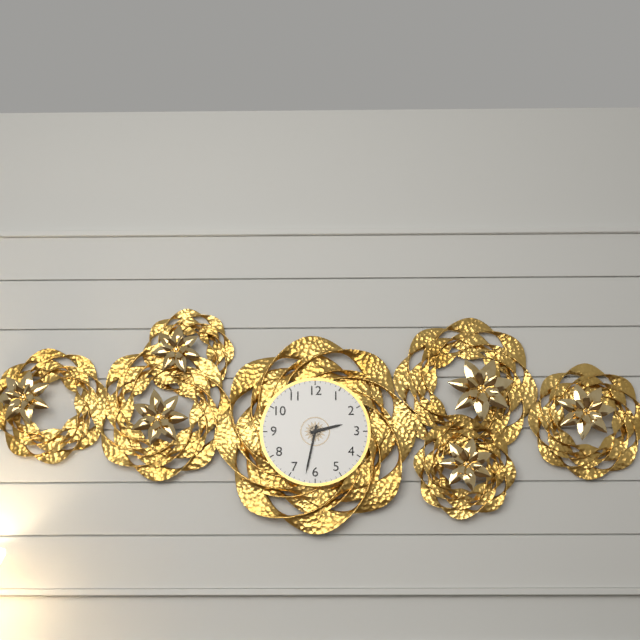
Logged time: 2 h 32 min
